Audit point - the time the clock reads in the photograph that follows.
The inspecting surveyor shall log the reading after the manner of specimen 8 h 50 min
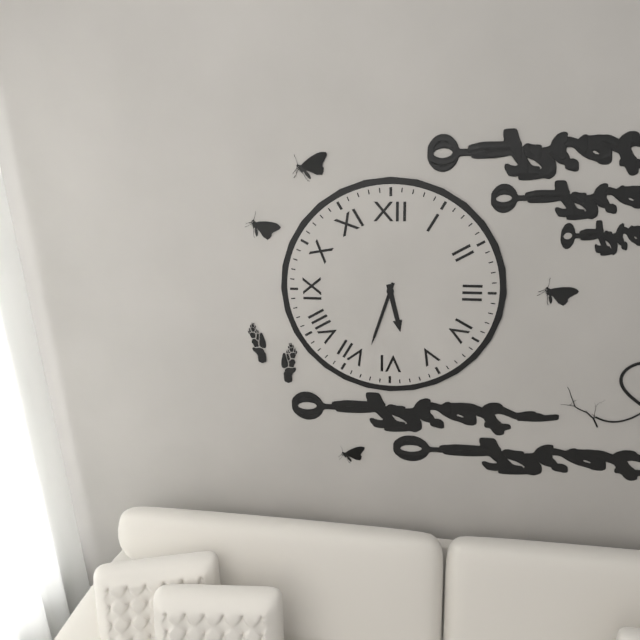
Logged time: 5 h 33 min
